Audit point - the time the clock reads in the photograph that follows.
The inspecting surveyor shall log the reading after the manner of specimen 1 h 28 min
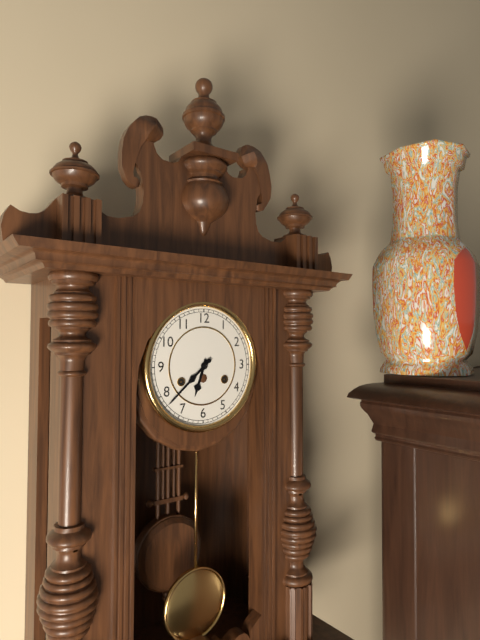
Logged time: 6 h 38 min
